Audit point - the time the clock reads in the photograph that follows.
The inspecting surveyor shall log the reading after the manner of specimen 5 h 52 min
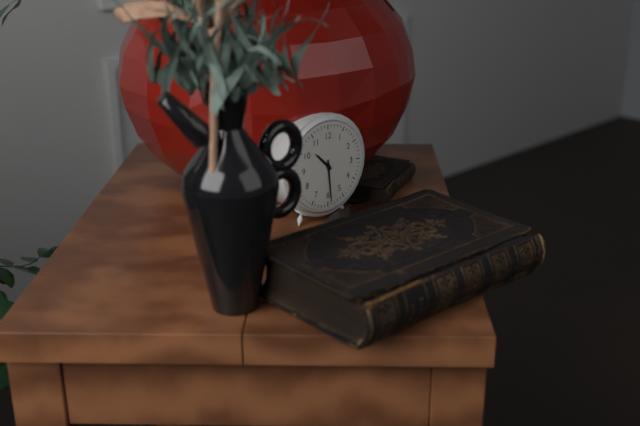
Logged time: 10 h 29 min
